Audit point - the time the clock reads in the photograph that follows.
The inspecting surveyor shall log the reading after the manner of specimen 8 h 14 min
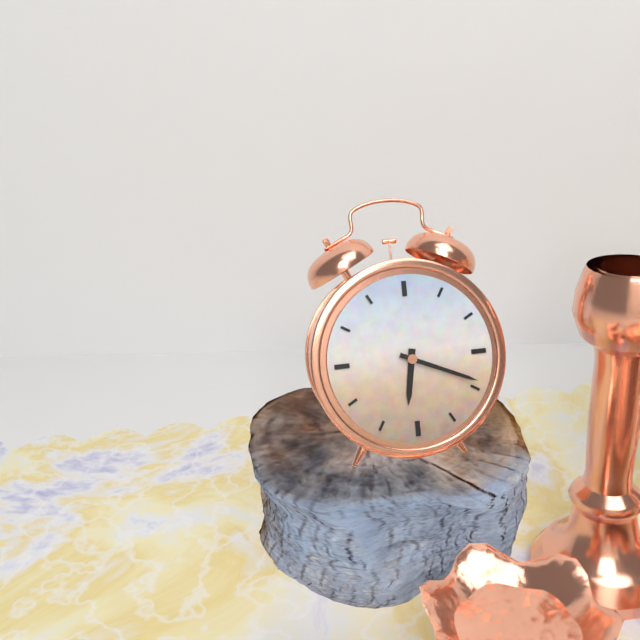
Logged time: 6 h 19 min
